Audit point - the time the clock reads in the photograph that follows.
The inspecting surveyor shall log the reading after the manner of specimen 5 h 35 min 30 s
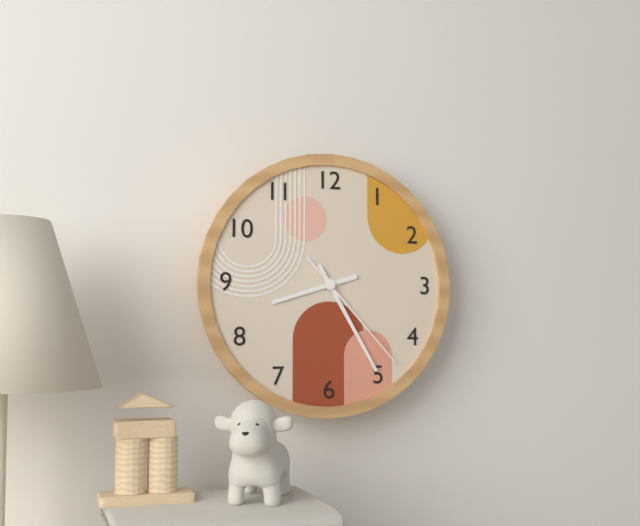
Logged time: 8 h 25 min 23 s
